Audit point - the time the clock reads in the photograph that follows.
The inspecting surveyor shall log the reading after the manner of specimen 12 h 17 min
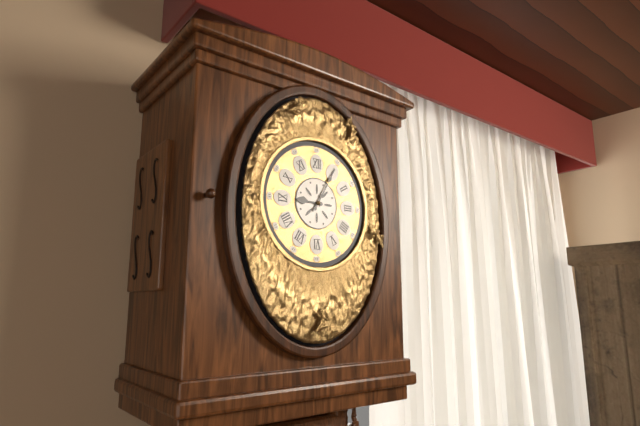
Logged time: 9 h 05 min
